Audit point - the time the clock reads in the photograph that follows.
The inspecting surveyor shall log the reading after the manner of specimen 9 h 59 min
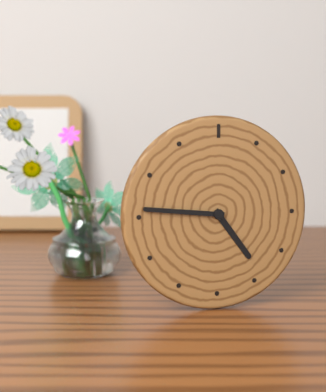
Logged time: 4 h 46 min
